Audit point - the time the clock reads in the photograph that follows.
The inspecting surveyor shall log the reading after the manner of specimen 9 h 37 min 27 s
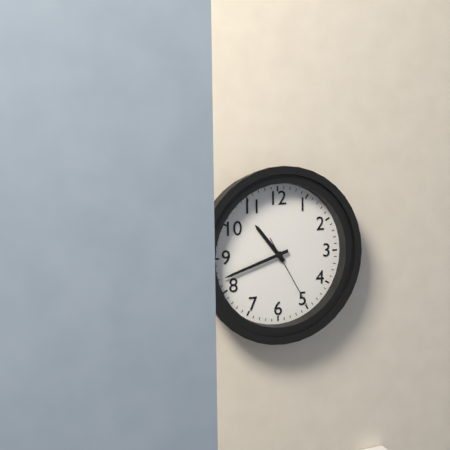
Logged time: 10 h 42 min 25 s
